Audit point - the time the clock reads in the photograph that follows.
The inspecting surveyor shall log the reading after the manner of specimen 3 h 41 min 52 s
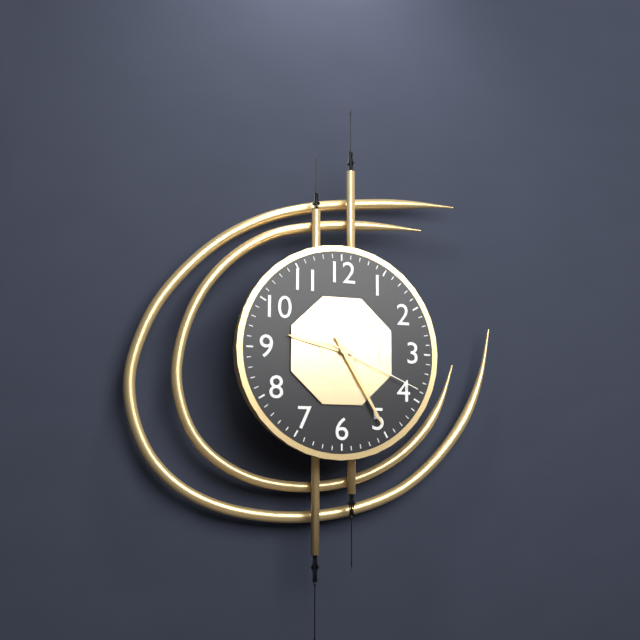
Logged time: 9 h 25 min 19 s
